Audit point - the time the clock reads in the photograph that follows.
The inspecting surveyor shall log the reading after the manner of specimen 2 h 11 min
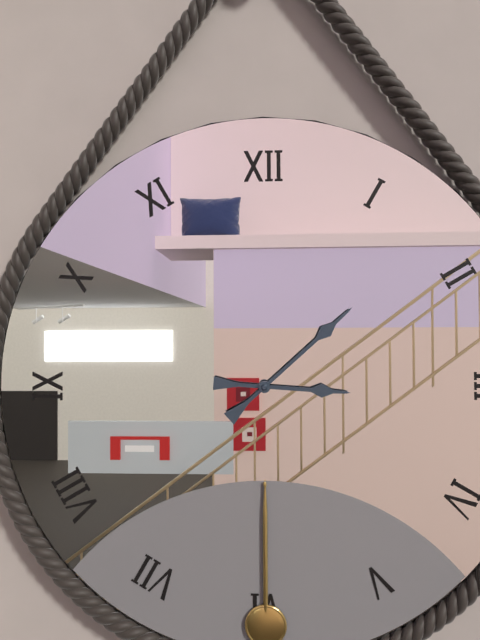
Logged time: 3 h 08 min
